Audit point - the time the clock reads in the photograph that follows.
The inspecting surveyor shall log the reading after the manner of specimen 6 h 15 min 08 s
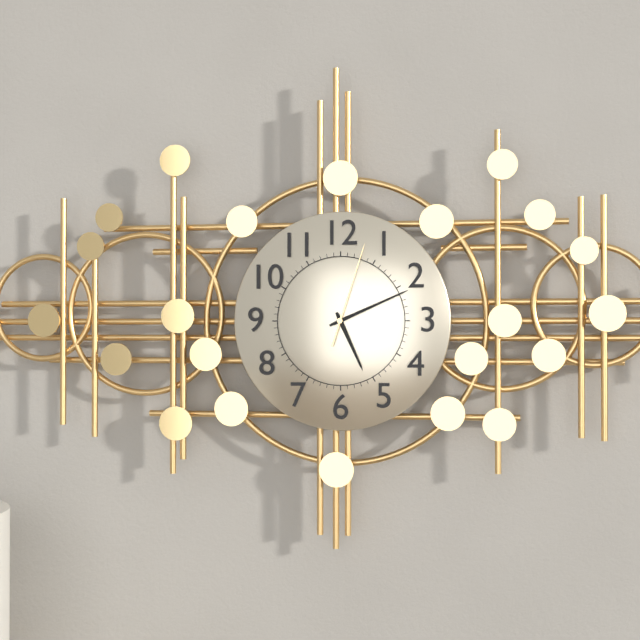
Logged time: 5 h 11 min 03 s
